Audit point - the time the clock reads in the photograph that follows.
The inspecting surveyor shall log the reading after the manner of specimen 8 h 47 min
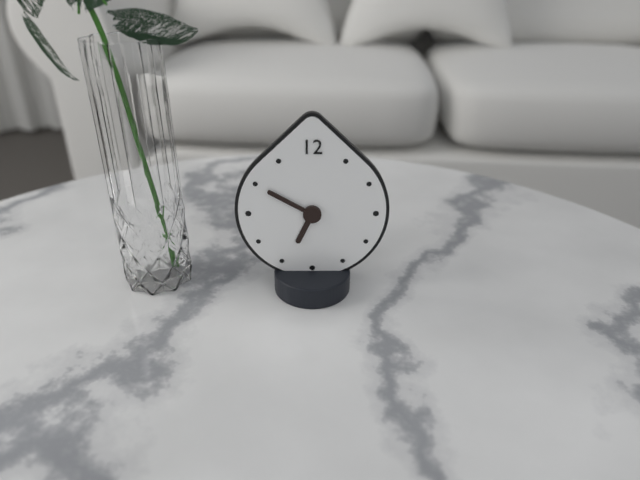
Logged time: 6 h 50 min
